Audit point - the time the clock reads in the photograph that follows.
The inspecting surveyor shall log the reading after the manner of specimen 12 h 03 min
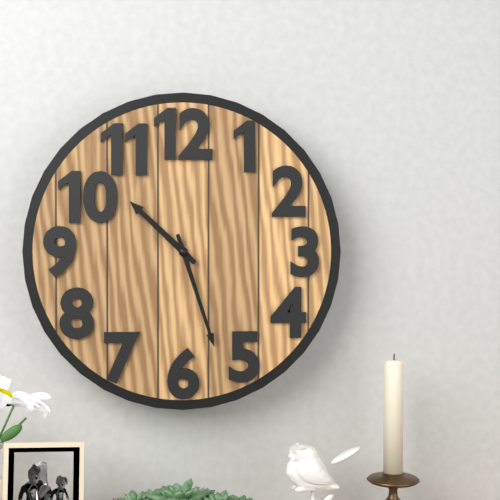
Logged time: 10 h 27 min
